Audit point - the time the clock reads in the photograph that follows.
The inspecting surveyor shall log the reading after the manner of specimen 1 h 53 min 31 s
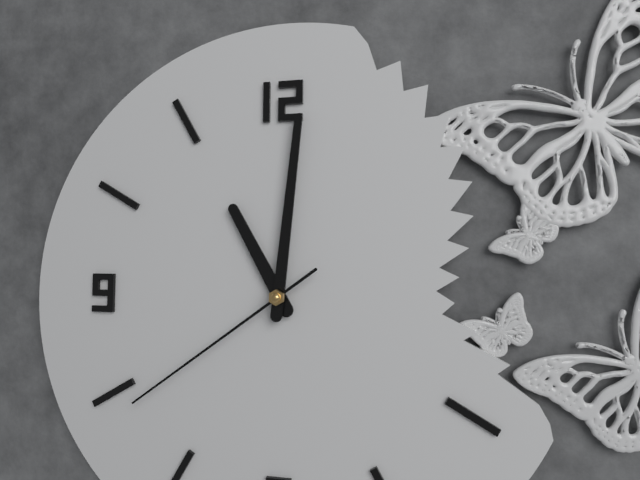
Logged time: 11 h 01 min 39 s
